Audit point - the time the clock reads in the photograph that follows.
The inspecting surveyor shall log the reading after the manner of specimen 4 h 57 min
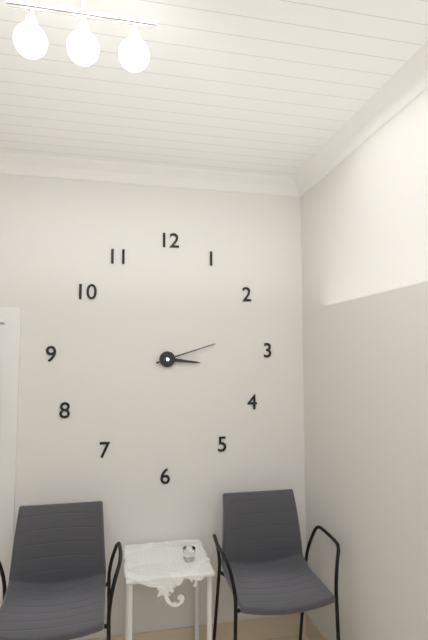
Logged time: 3 h 12 min
